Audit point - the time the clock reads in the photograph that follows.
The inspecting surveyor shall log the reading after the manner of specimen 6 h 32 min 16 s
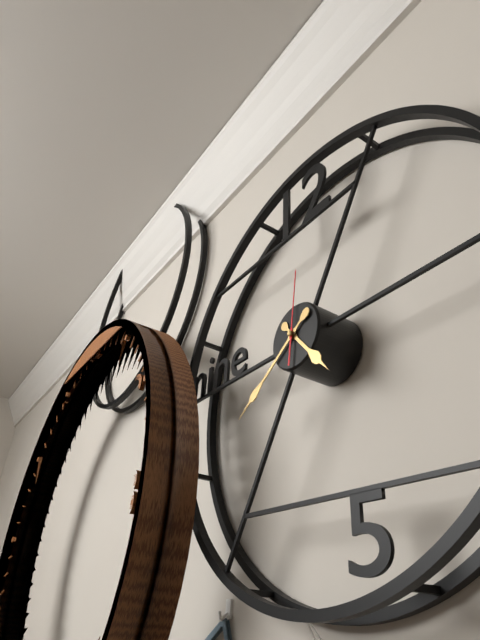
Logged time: 4 h 39 min 01 s
